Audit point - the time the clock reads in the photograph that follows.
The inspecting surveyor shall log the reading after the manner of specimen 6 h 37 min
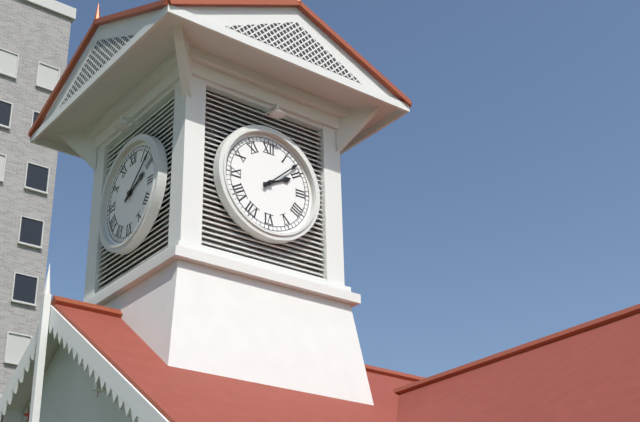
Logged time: 2 h 08 min
